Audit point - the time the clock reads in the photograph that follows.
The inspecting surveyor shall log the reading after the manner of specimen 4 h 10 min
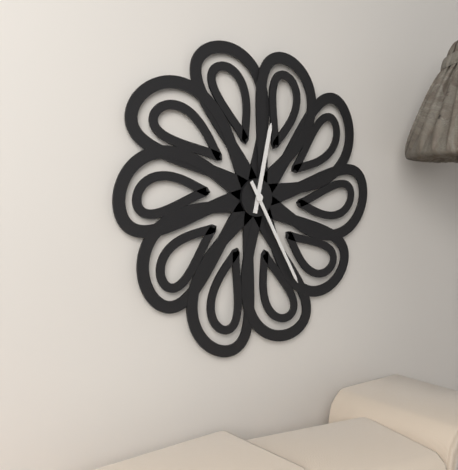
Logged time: 12 h 25 min
